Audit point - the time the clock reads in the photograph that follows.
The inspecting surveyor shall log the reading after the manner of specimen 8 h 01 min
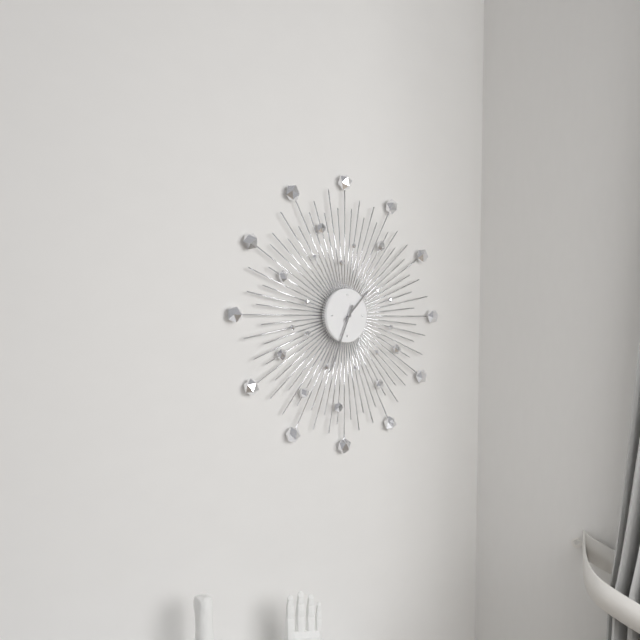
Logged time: 1 h 34 min
